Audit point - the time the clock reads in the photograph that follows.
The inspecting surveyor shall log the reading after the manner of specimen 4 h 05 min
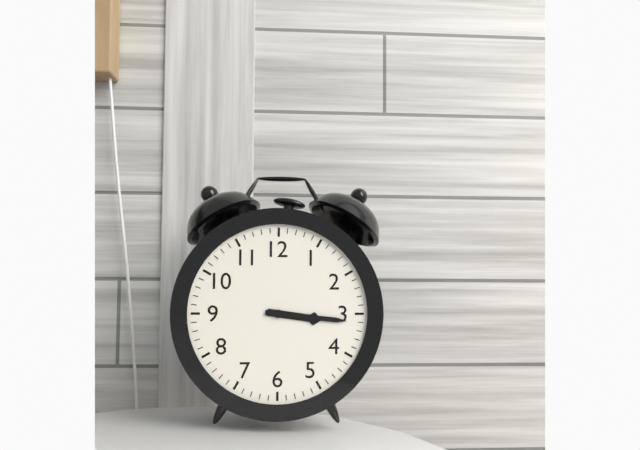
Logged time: 3 h 16 min
